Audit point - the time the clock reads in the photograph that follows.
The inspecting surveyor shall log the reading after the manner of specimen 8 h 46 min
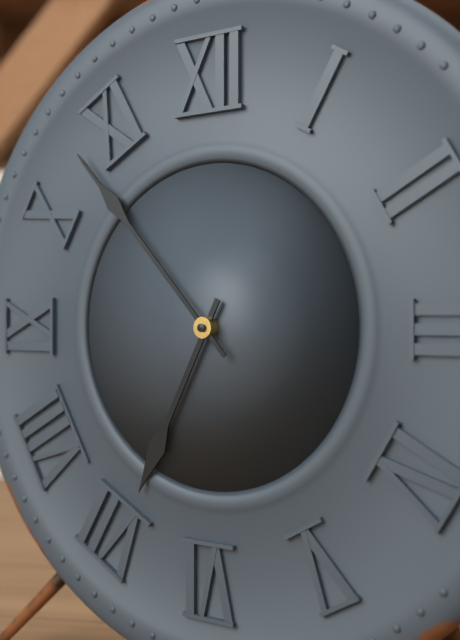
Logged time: 6 h 53 min
